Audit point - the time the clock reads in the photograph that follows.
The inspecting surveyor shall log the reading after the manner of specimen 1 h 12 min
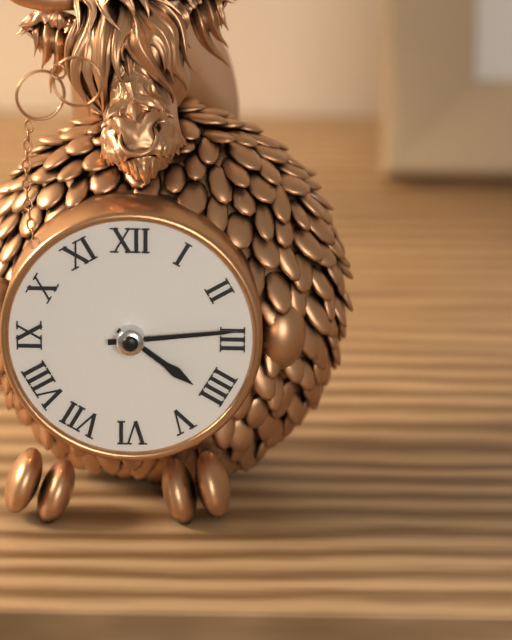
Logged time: 4 h 14 min
